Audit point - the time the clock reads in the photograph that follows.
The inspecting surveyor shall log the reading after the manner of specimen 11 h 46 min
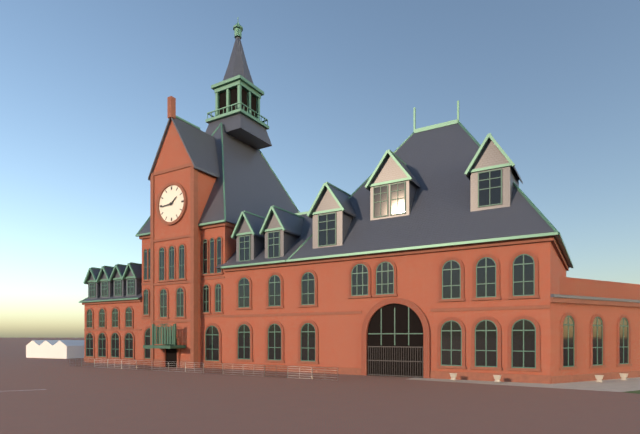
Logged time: 1 h 44 min
